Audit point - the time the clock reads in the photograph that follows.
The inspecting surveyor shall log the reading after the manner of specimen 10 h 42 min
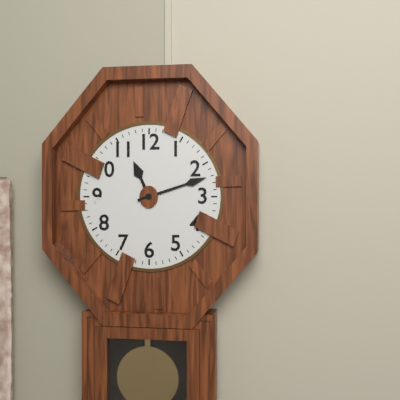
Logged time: 11 h 12 min
